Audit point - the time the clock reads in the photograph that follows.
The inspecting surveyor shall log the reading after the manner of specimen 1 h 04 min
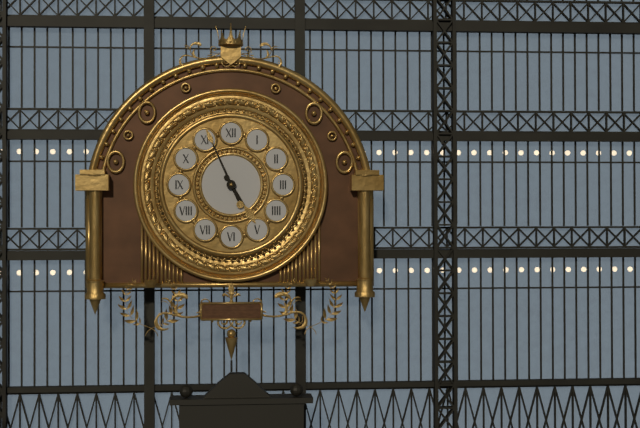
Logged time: 4 h 56 min
